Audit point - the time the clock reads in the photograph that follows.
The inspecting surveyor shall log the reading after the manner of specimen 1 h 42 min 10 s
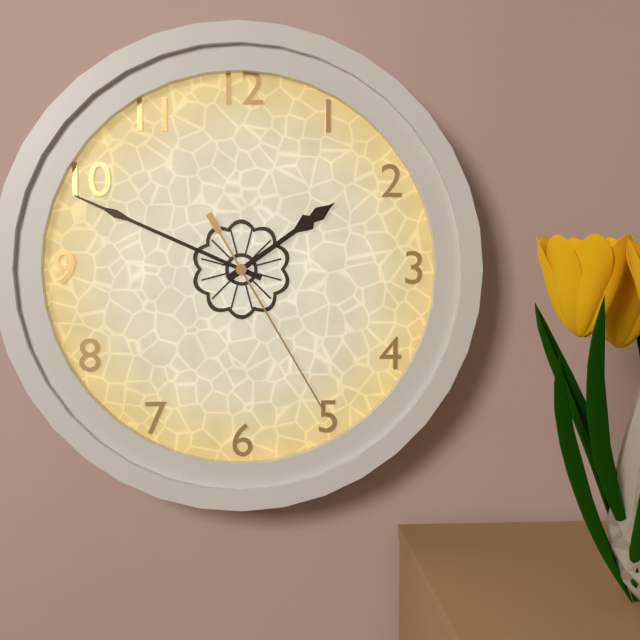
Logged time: 1 h 49 min 25 s
